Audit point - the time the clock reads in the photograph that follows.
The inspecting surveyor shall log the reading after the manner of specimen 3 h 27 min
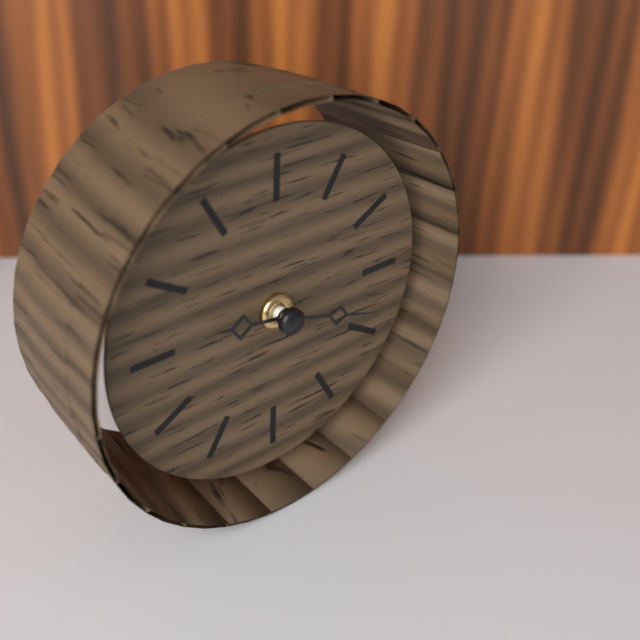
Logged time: 9 h 18 min
